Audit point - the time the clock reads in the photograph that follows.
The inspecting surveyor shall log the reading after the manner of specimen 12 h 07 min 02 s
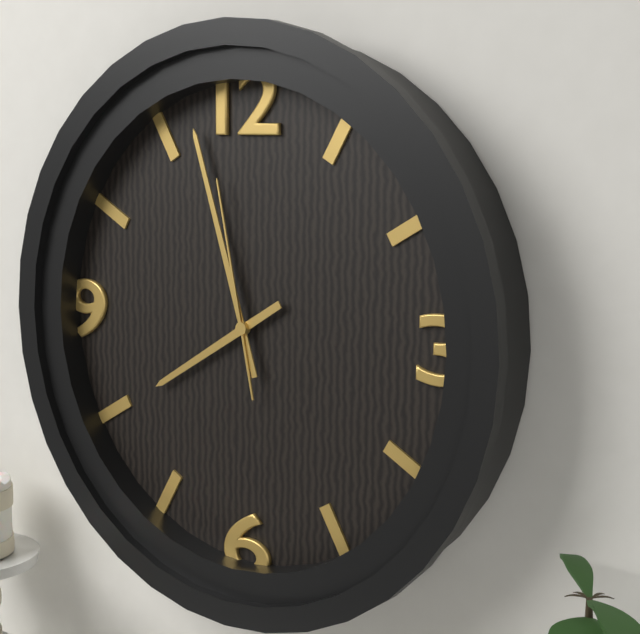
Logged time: 7 h 57 min 58 s
